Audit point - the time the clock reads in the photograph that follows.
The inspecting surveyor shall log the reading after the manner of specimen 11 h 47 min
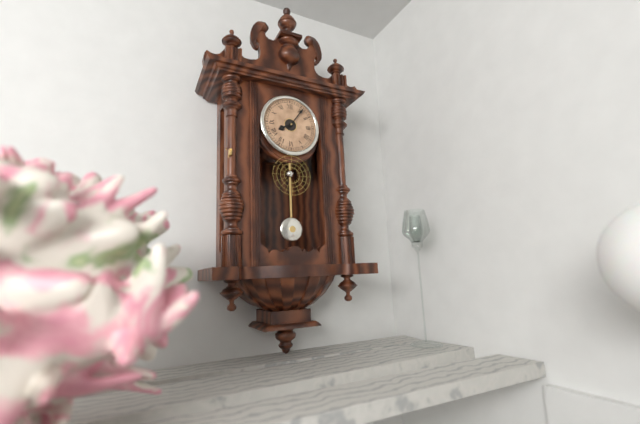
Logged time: 8 h 06 min
